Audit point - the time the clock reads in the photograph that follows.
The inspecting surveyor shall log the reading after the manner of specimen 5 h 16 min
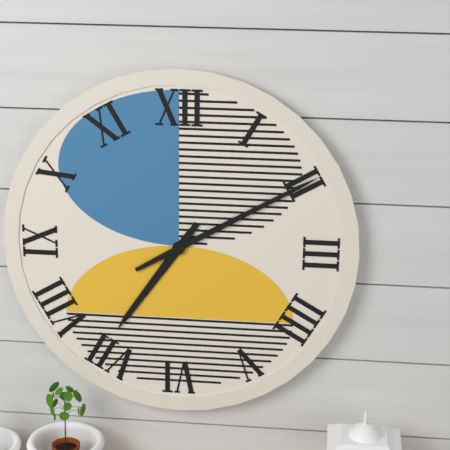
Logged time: 7 h 10 min
